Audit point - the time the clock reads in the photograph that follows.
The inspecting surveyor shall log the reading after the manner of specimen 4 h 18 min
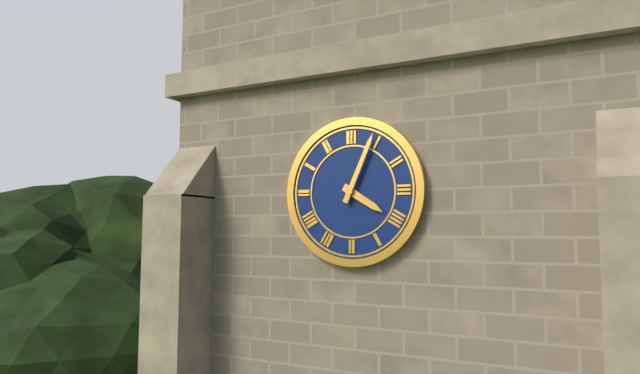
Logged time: 4 h 04 min
